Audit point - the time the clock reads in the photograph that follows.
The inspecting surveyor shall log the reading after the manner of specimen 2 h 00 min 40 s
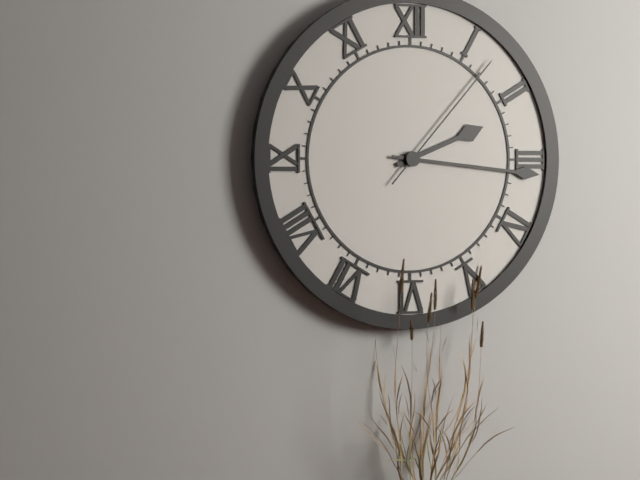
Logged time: 2 h 16 min 07 s
